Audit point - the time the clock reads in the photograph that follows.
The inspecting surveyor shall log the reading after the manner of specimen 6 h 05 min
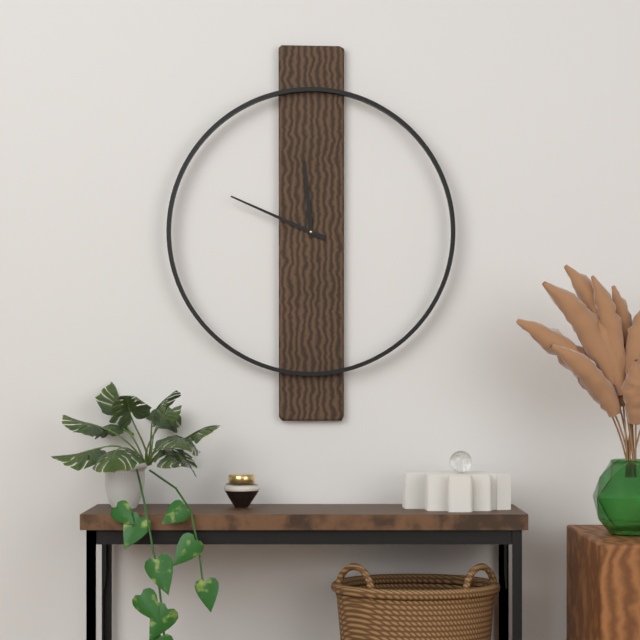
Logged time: 11 h 49 min
